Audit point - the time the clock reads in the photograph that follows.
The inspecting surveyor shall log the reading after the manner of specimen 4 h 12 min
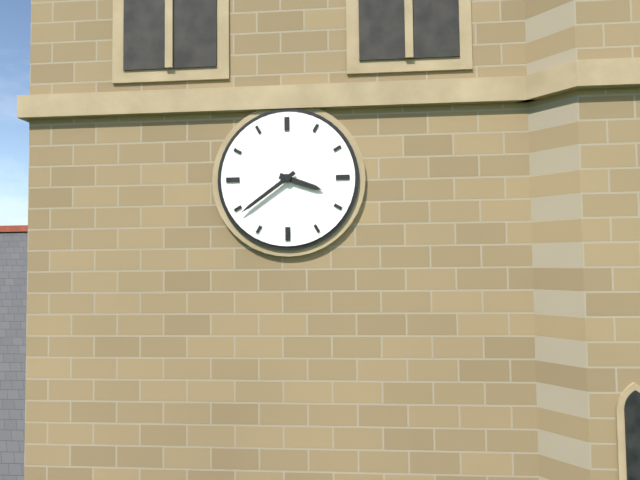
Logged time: 3 h 39 min
